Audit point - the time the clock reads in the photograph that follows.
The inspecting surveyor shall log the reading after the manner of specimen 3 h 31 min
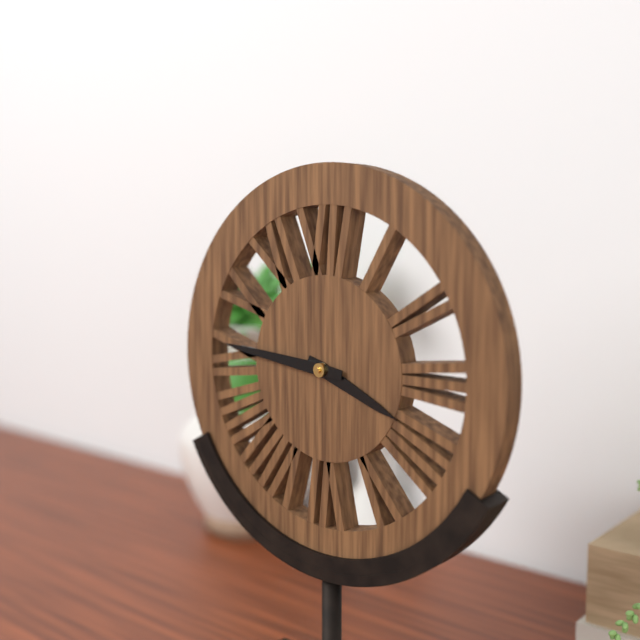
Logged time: 3 h 46 min
